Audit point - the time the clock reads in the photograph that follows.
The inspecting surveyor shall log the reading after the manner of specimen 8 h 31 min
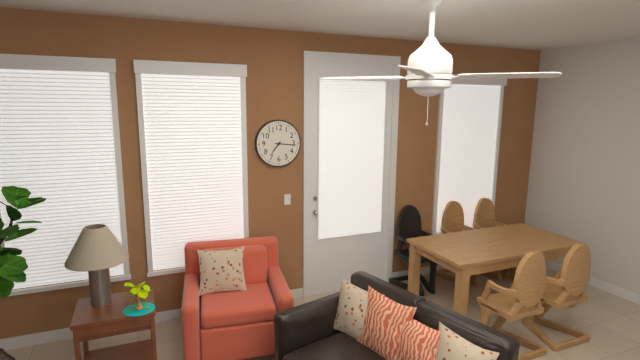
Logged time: 7 h 16 min
